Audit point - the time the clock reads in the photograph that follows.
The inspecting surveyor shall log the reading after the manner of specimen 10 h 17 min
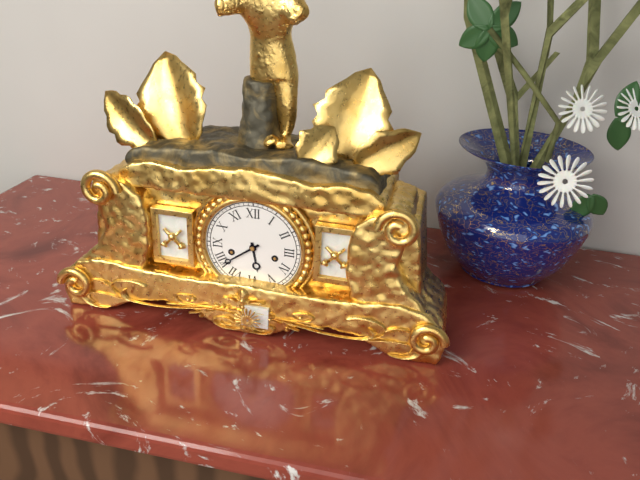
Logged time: 5 h 39 min
